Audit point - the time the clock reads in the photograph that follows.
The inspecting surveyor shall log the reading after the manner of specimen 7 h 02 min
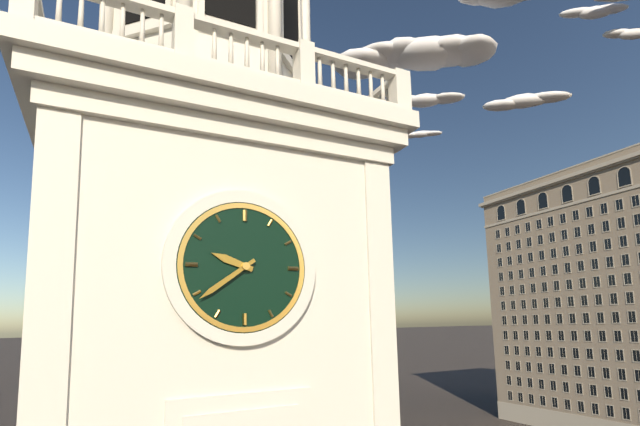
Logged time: 9 h 39 min
